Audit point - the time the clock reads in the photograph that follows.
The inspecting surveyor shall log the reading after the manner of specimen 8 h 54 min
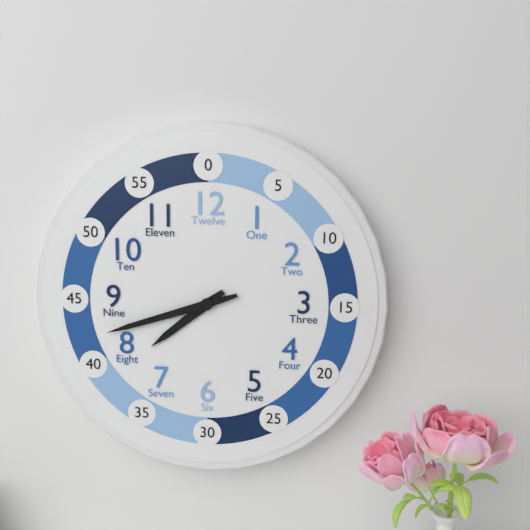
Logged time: 7 h 42 min
